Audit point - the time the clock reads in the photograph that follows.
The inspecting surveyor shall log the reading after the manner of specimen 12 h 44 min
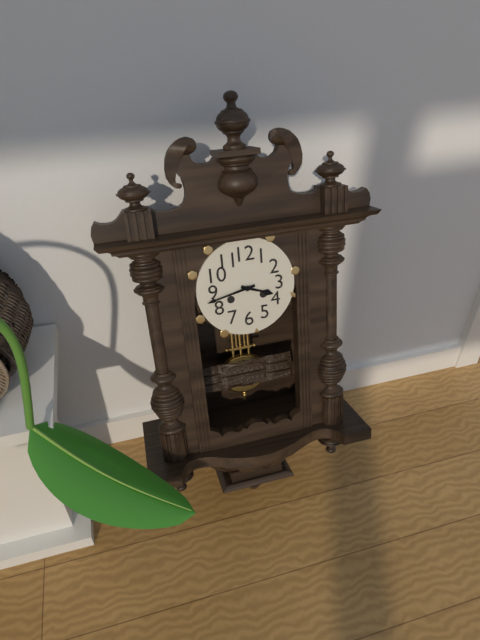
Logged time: 3 h 43 min
